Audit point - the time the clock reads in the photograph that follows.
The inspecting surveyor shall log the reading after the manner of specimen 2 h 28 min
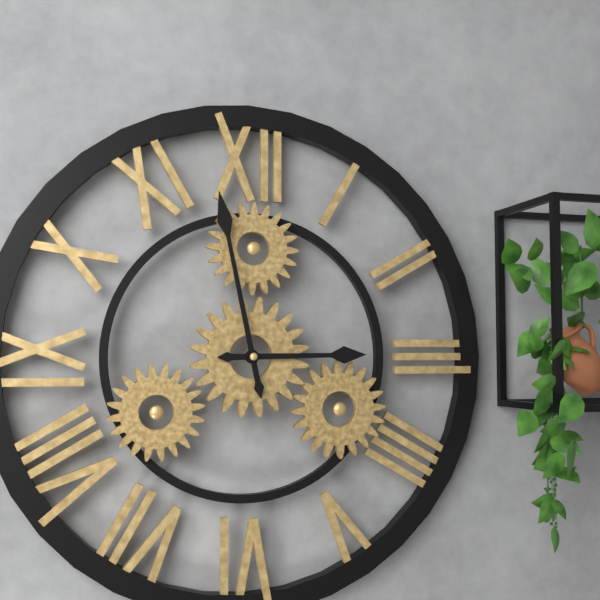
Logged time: 2 h 58 min
